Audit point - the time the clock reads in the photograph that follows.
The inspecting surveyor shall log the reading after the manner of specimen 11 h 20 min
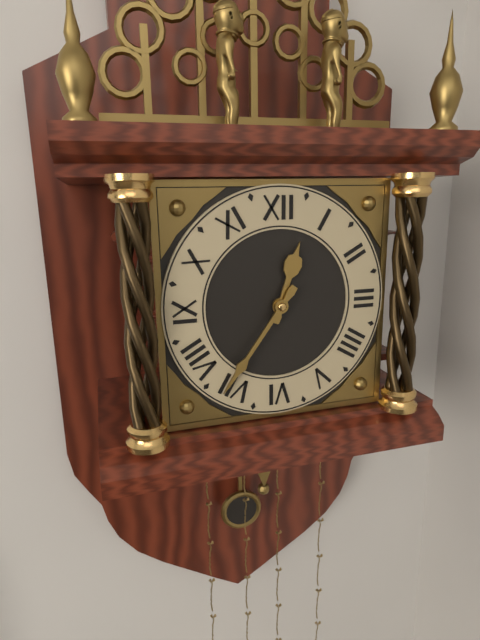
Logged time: 12 h 36 min
